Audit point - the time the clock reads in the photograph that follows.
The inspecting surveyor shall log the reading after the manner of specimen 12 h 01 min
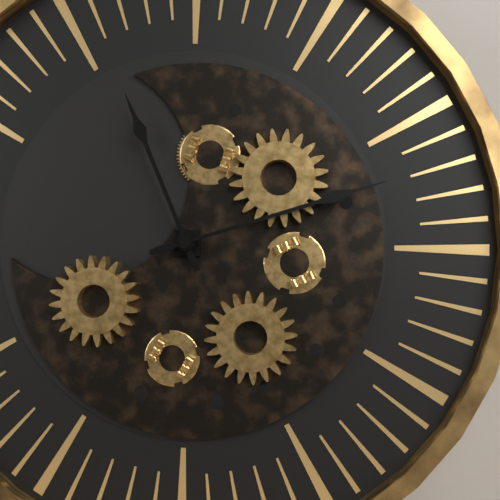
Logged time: 11 h 12 min
